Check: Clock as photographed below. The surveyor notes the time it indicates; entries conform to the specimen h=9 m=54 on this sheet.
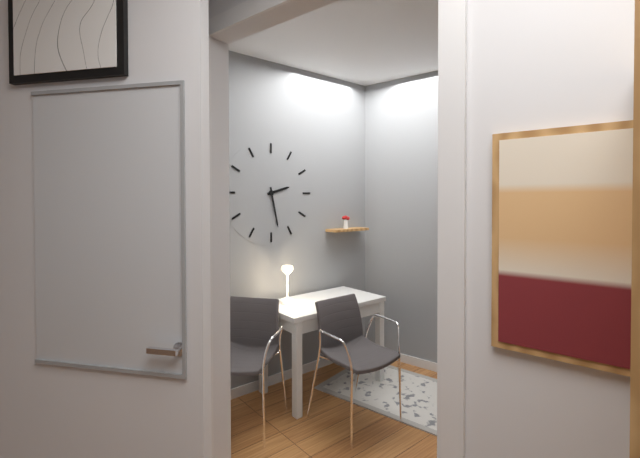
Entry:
h=2 m=28
